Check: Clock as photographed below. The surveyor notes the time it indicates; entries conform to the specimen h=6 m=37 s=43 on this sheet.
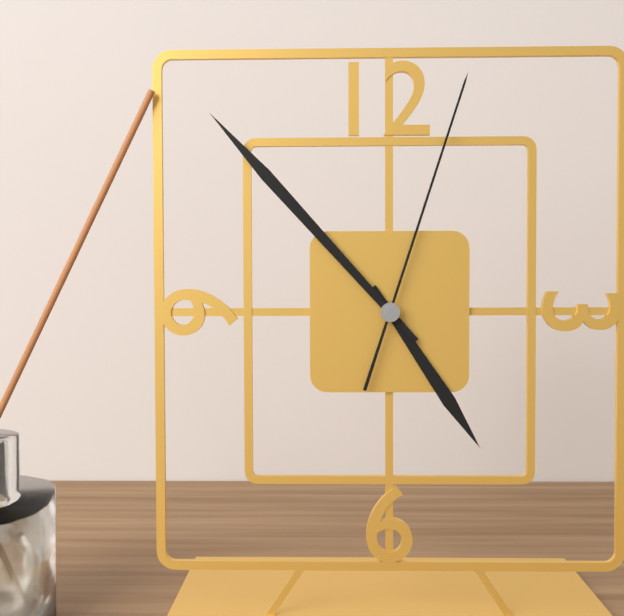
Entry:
h=4 m=53 s=3
